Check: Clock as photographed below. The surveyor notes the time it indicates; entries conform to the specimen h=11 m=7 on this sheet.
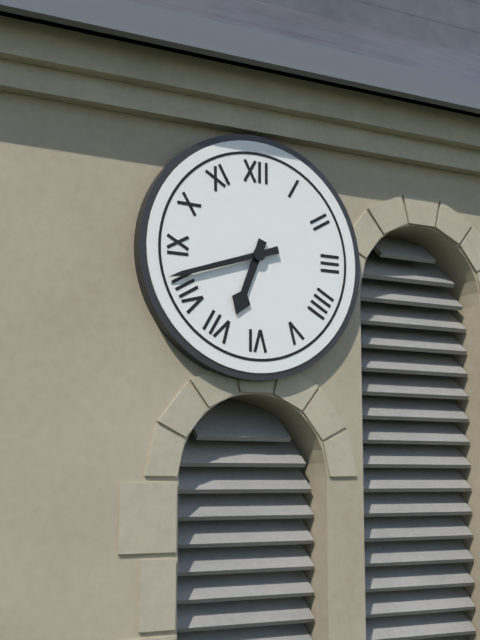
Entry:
h=6 m=42
